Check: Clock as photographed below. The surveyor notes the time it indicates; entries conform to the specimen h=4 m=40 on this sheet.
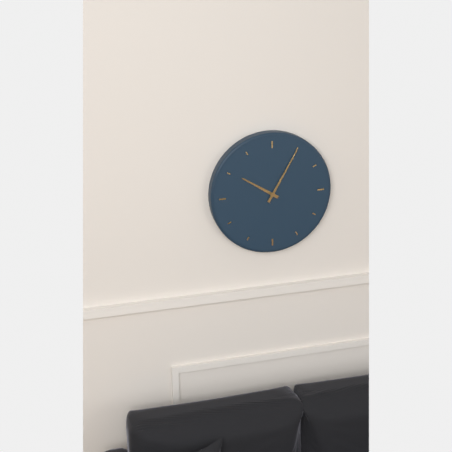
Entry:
h=10 m=5
